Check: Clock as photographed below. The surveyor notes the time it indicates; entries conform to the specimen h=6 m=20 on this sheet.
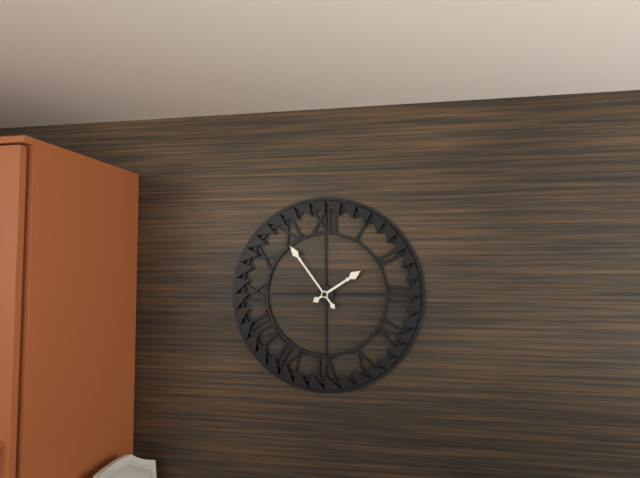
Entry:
h=1 m=54
